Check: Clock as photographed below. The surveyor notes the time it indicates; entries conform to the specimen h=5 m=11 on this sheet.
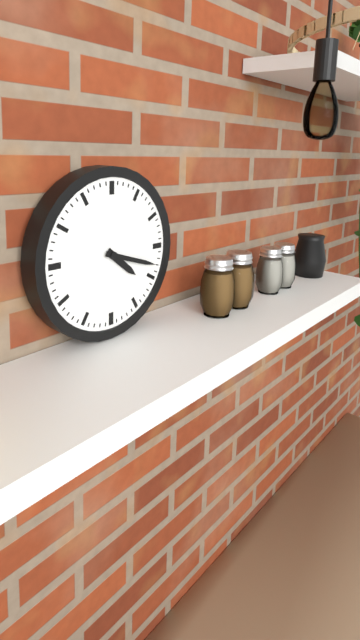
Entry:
h=4 m=18
